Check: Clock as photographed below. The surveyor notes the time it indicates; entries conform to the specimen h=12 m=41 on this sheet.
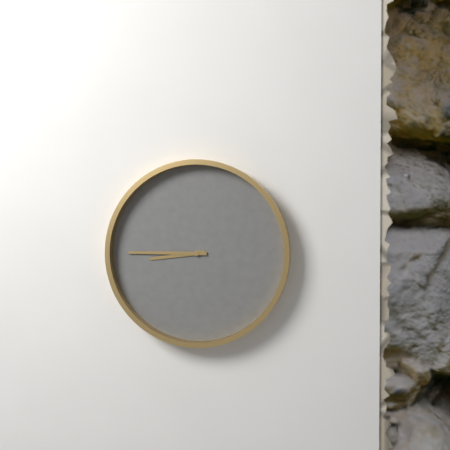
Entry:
h=8 m=45
